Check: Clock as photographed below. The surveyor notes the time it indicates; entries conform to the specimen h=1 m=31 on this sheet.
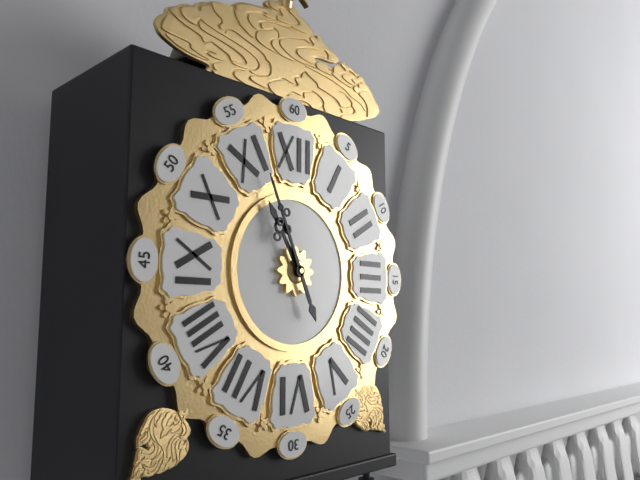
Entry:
h=10 m=56
